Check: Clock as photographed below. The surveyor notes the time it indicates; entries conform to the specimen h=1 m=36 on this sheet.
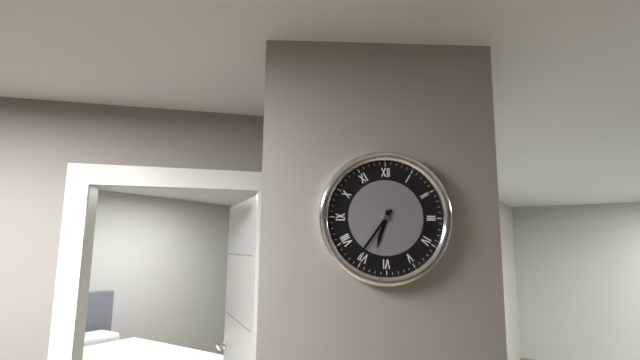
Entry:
h=6 m=36
